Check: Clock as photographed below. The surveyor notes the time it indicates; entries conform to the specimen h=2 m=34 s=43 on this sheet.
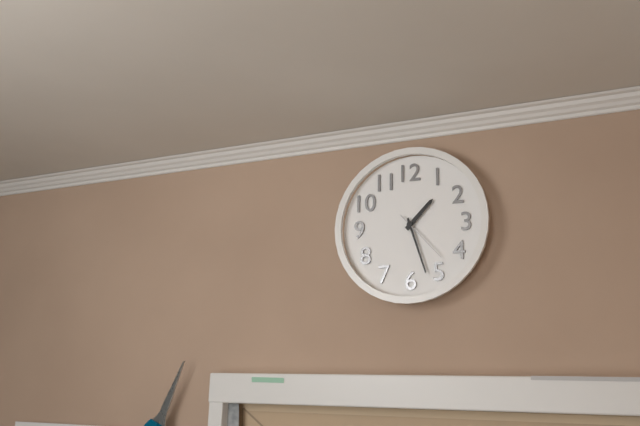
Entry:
h=1 m=27 s=23
